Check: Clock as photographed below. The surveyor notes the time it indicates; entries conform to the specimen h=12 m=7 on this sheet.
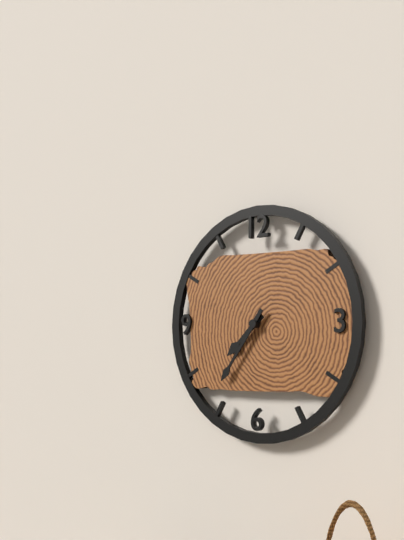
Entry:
h=7 m=36
